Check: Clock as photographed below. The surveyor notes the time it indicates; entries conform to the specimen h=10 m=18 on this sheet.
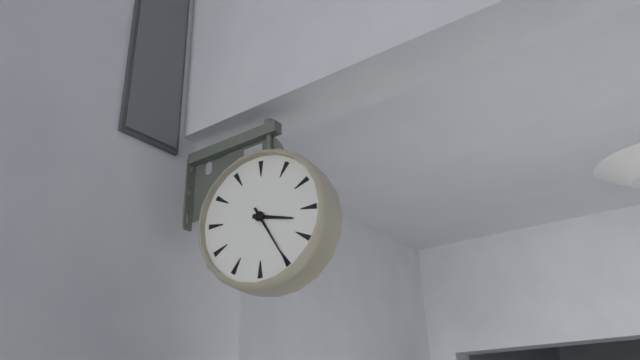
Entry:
h=3 m=25
